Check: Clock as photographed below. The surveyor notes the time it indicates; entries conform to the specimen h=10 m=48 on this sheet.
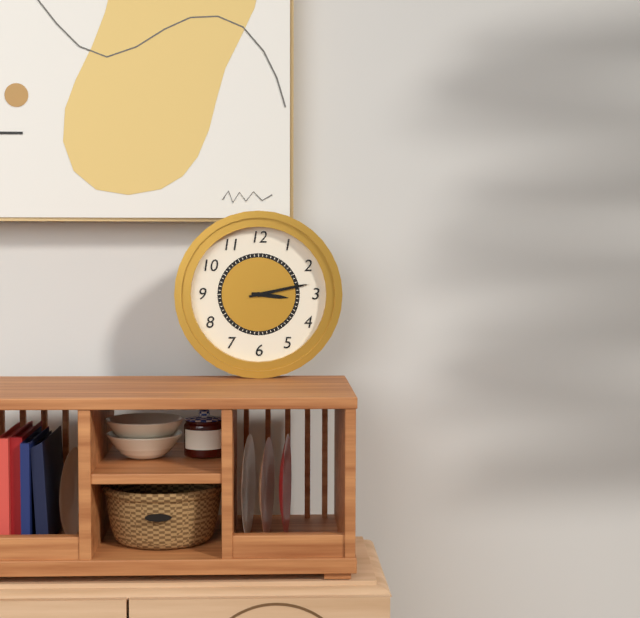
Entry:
h=3 m=13
